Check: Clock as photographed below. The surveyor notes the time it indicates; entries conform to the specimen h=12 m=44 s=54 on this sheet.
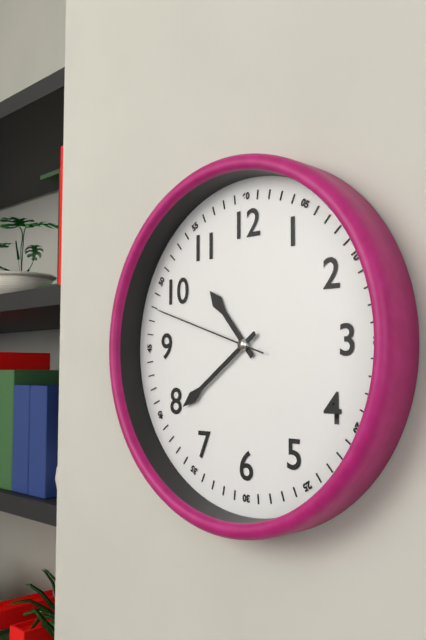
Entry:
h=10 m=39 s=48
